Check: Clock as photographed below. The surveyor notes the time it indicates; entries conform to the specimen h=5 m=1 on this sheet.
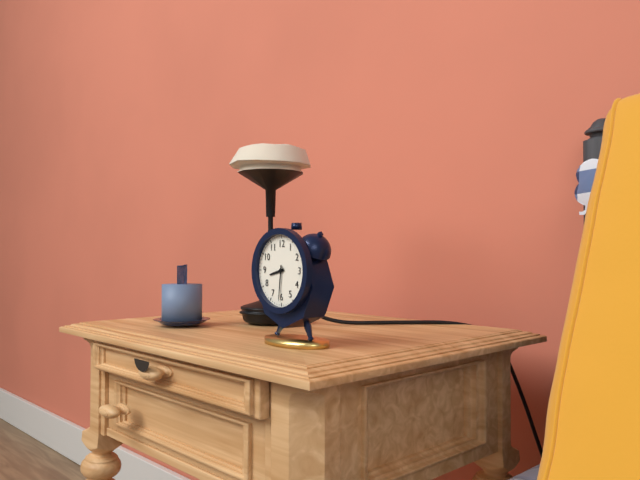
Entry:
h=8 m=31
